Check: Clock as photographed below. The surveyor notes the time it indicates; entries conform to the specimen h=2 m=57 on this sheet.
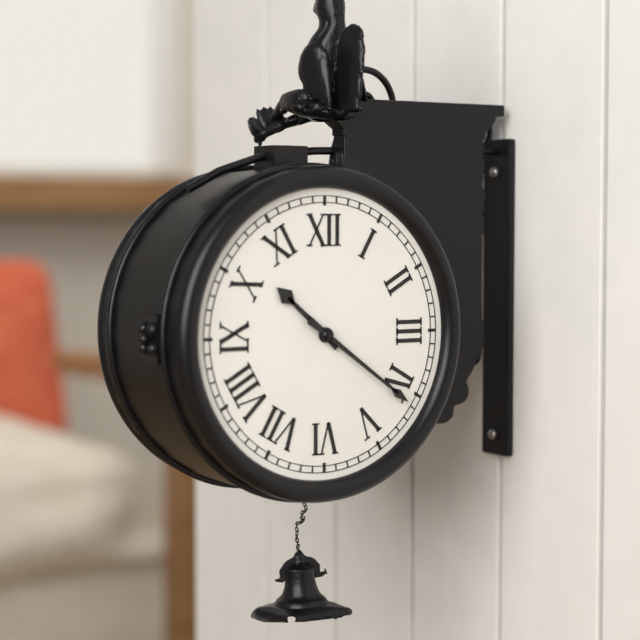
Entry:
h=10 m=21
